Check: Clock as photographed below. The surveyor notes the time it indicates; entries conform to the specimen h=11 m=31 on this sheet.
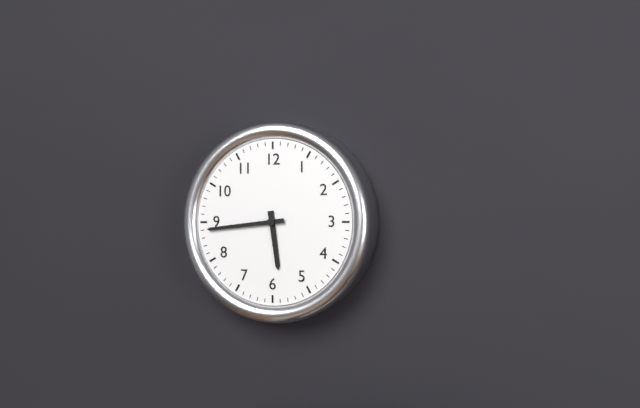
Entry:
h=5 m=44
